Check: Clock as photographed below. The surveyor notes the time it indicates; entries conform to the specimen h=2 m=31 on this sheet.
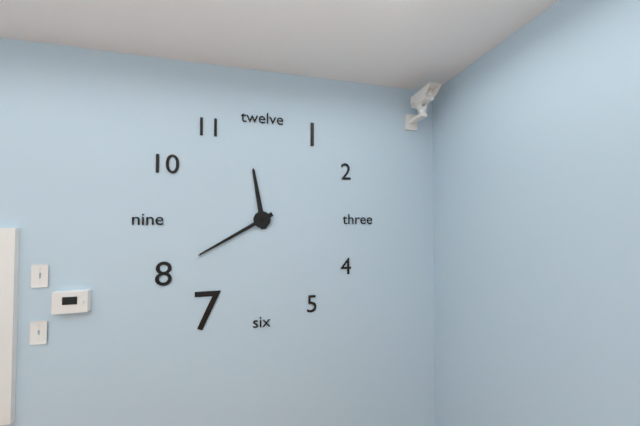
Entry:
h=11 m=40
